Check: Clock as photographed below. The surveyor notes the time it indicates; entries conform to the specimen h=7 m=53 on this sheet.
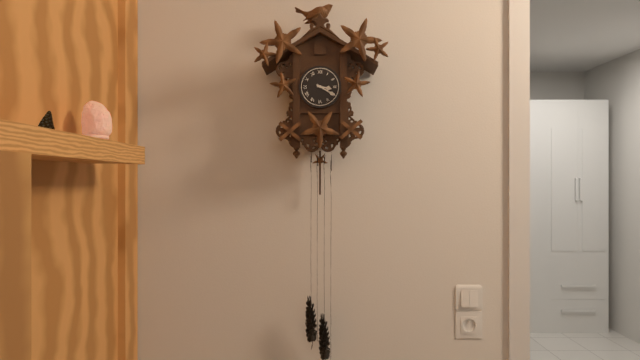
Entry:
h=3 m=20
